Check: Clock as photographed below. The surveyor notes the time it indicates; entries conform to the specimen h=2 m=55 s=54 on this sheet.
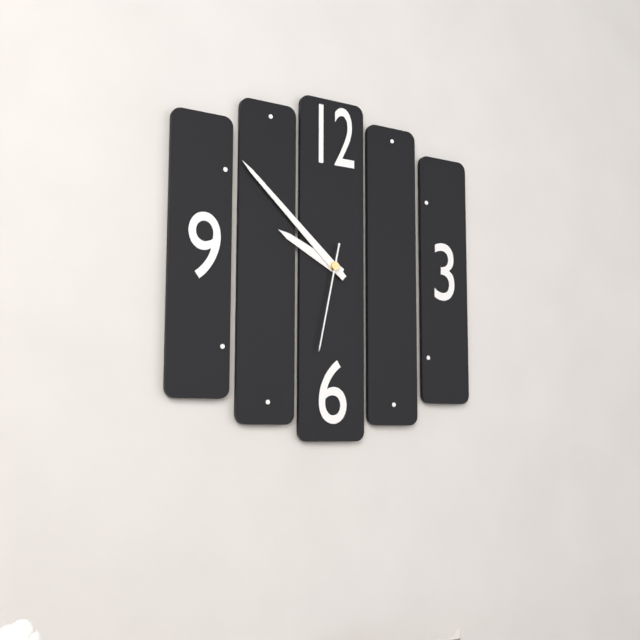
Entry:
h=9 m=52 s=32
